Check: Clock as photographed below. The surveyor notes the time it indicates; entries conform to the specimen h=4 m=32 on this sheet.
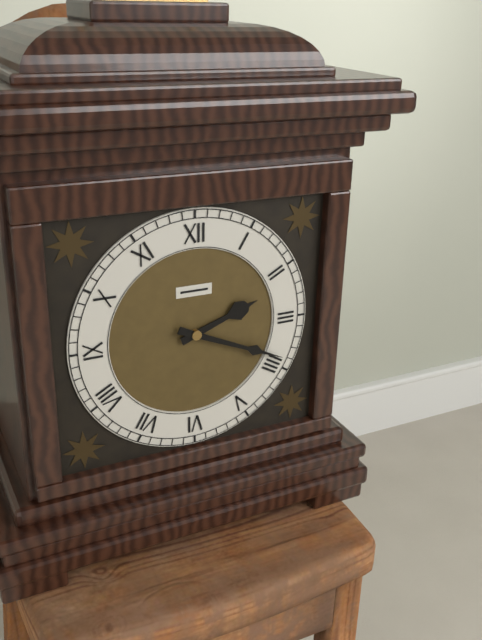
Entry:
h=2 m=19
